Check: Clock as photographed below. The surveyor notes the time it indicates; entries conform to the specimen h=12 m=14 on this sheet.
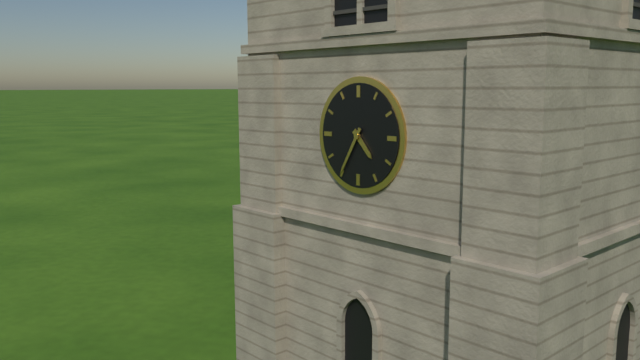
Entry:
h=4 m=35
